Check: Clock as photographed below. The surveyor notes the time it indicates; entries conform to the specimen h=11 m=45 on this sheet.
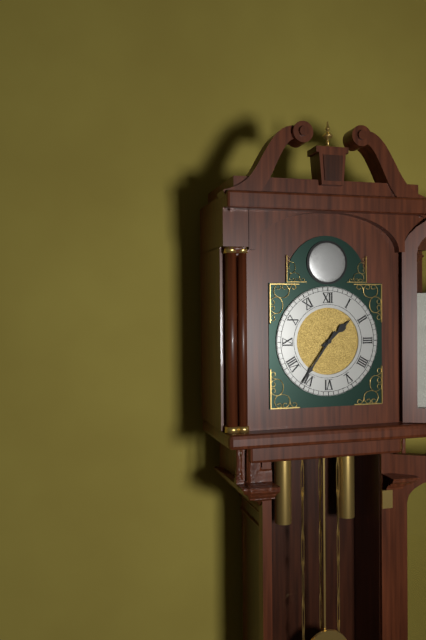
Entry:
h=1 m=36
